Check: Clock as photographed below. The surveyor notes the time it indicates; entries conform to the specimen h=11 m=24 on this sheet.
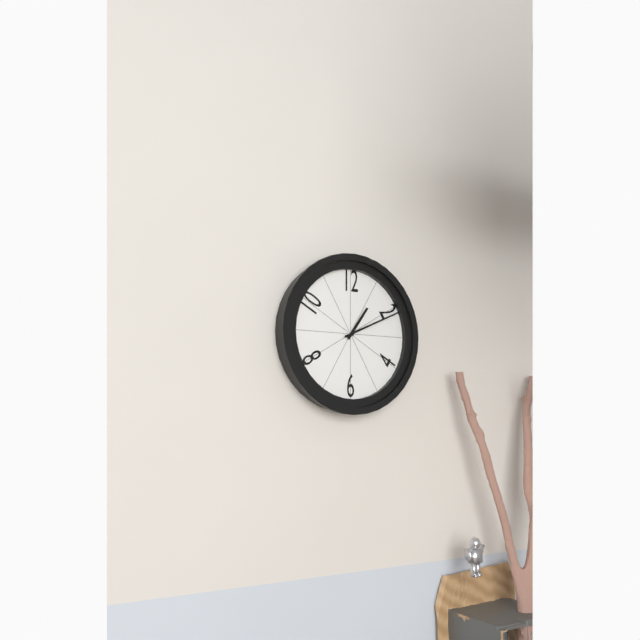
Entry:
h=1 m=11
